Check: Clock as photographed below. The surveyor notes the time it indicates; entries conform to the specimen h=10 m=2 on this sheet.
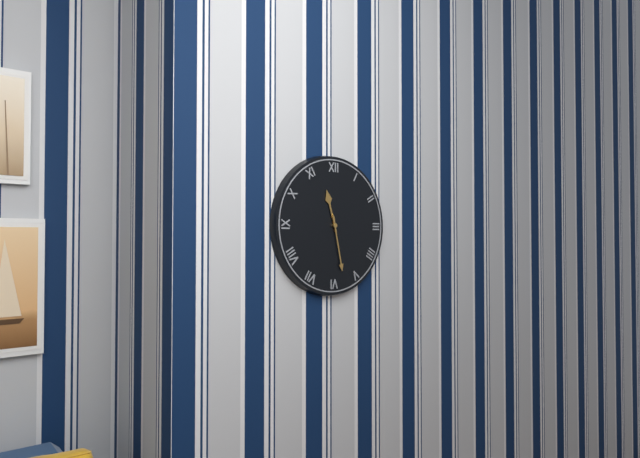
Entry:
h=11 m=28
